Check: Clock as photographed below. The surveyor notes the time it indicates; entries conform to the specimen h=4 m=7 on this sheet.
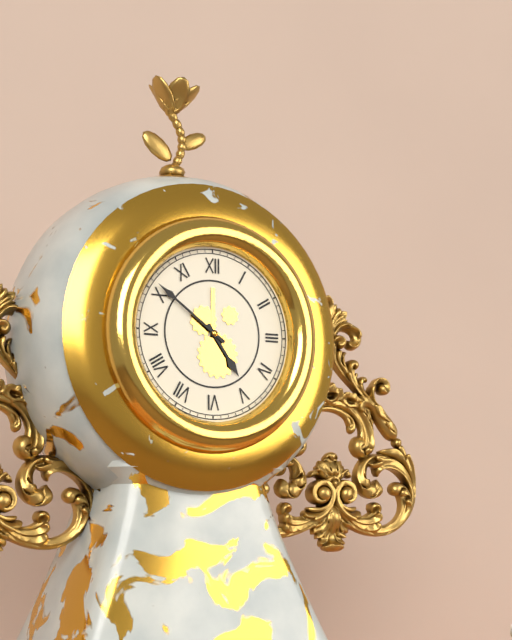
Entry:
h=4 m=51
